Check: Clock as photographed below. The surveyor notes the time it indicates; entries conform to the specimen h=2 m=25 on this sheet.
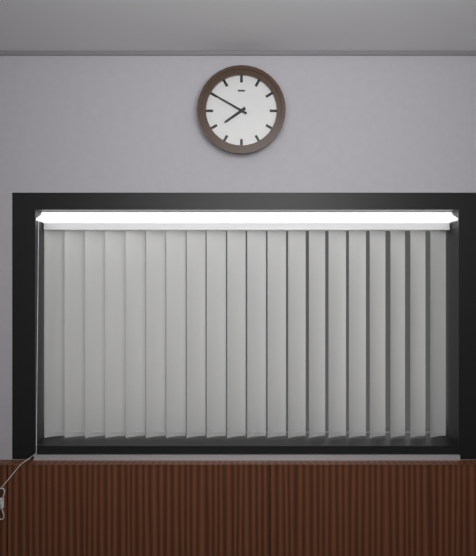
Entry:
h=7 m=50
